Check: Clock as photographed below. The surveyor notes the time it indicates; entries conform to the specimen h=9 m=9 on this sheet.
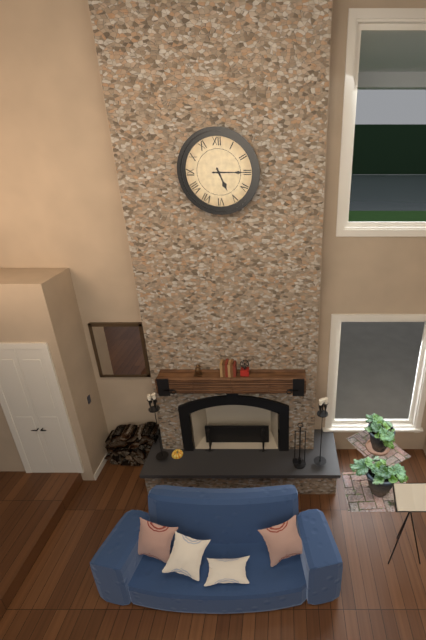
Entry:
h=5 m=15
